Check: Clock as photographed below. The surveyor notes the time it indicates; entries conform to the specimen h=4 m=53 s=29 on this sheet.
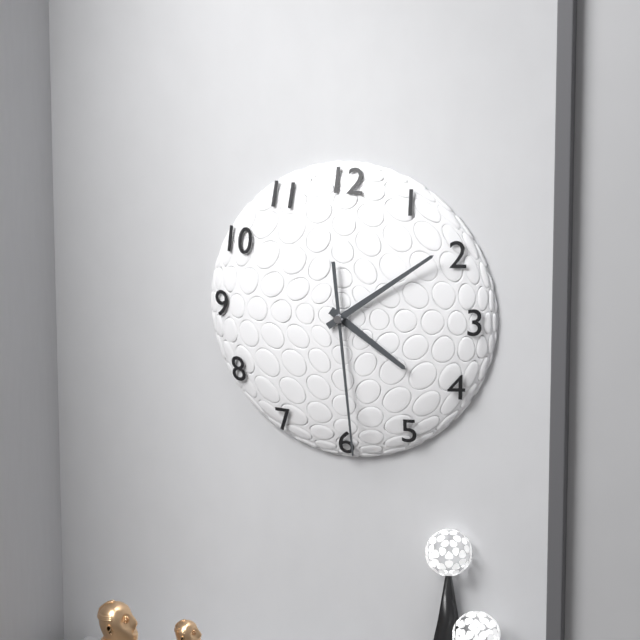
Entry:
h=4 m=9 s=29
